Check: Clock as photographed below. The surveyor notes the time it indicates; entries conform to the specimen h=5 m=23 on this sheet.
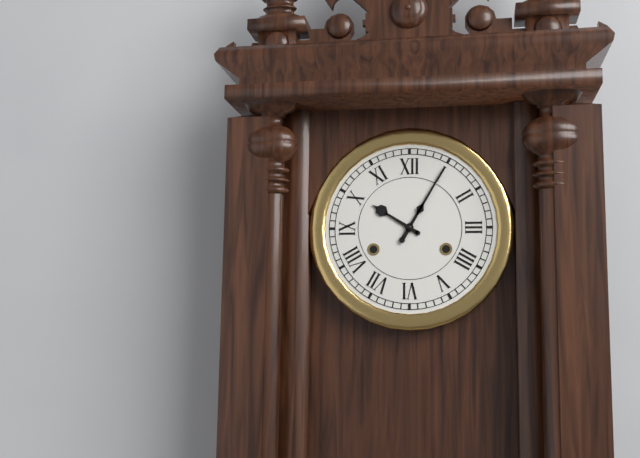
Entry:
h=10 m=5
